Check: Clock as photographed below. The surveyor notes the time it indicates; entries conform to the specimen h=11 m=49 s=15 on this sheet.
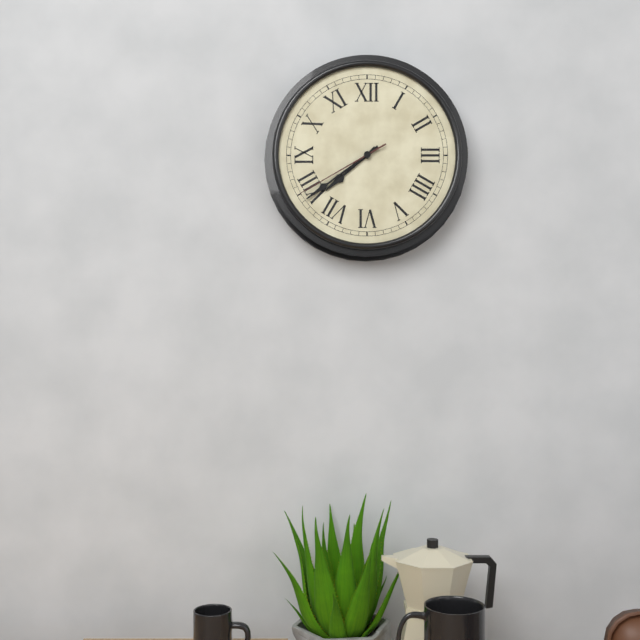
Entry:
h=7 m=39 s=40
